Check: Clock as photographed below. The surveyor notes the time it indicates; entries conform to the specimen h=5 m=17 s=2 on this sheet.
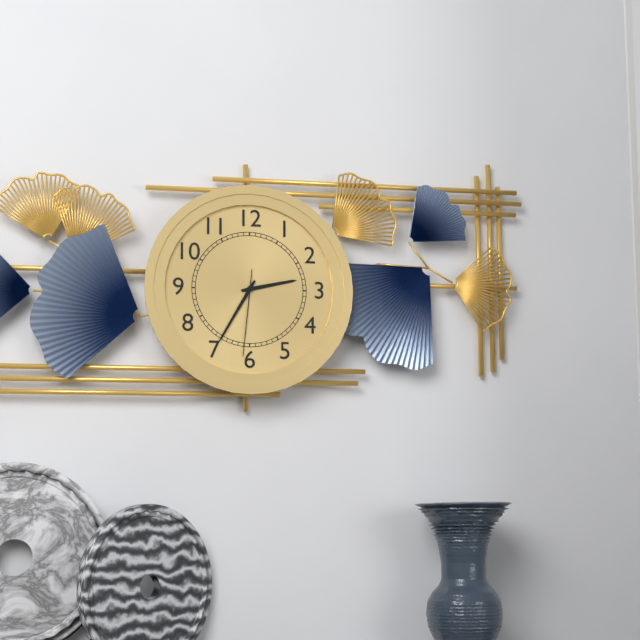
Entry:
h=2 m=35 s=31
